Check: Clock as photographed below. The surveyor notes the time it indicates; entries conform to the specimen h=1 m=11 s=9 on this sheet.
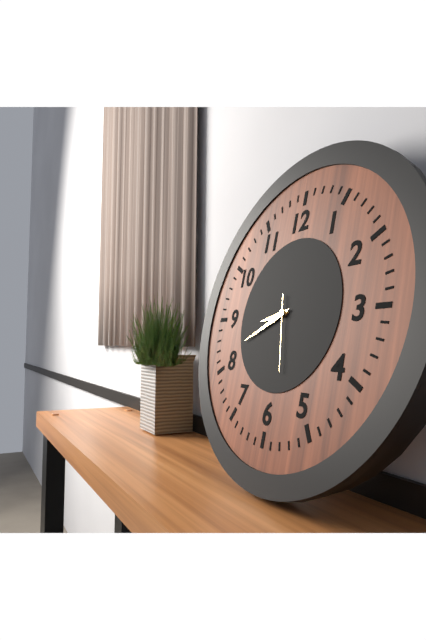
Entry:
h=8 m=41 s=28
